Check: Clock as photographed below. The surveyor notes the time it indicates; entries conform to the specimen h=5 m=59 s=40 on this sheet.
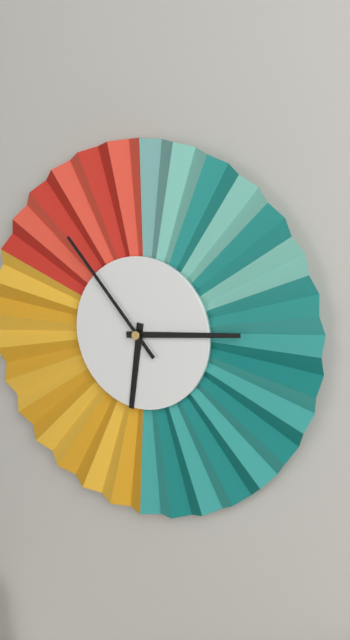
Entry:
h=6 m=14 s=53
